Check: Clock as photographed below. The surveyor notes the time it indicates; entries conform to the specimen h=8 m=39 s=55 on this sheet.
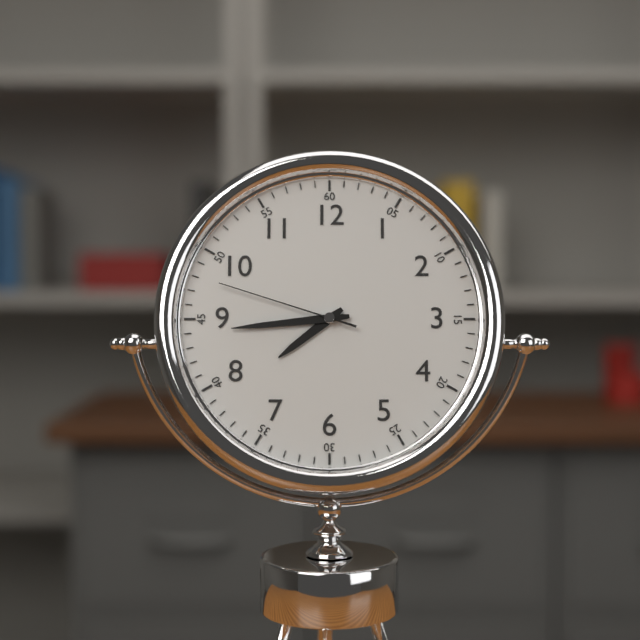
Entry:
h=7 m=44 s=48
